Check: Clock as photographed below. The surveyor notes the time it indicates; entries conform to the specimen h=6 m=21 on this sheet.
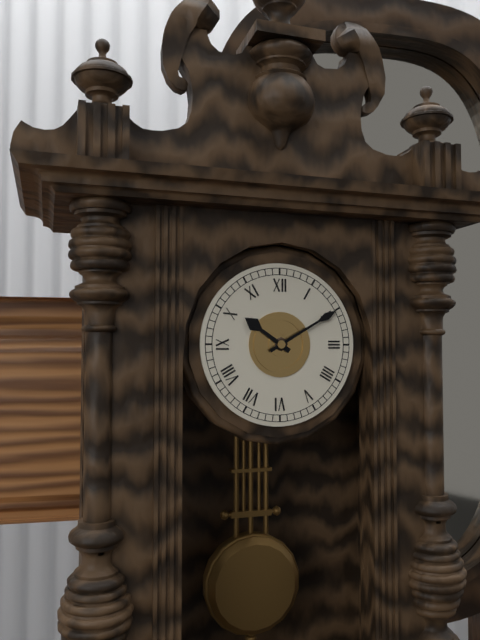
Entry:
h=10 m=10
